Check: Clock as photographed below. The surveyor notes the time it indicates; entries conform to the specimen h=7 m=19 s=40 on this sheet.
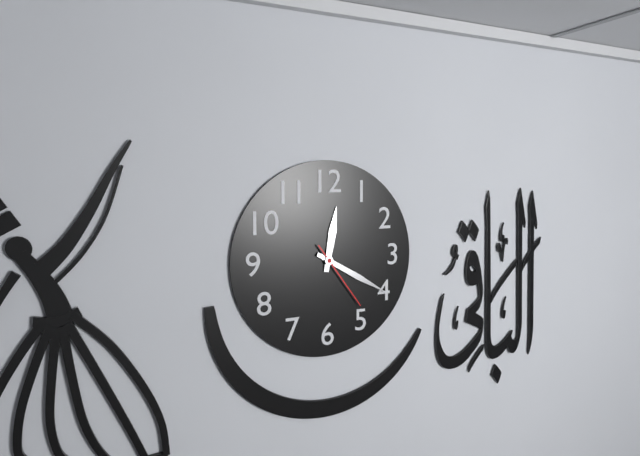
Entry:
h=12 m=20 s=24
